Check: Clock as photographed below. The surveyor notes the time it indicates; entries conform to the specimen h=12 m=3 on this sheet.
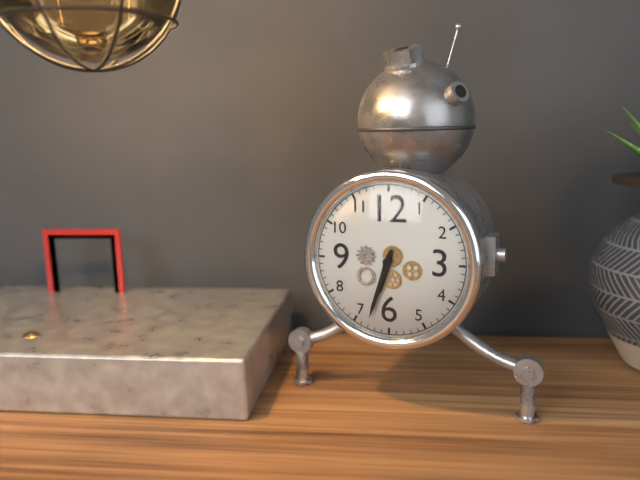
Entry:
h=6 m=33
